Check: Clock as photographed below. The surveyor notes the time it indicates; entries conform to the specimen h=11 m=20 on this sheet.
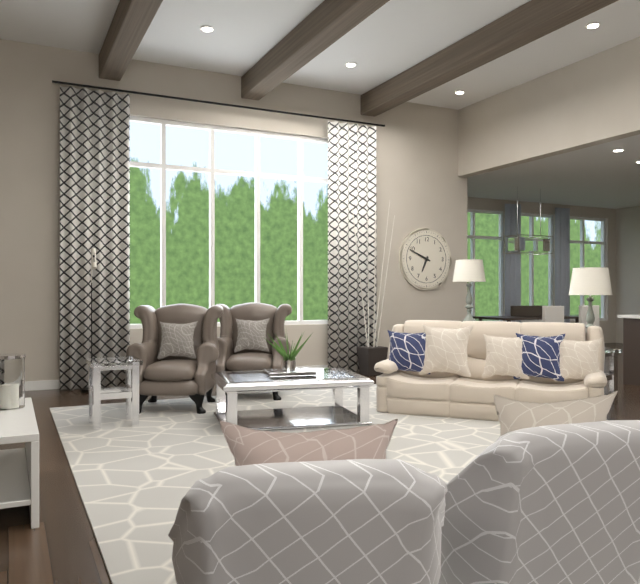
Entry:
h=6 m=49
